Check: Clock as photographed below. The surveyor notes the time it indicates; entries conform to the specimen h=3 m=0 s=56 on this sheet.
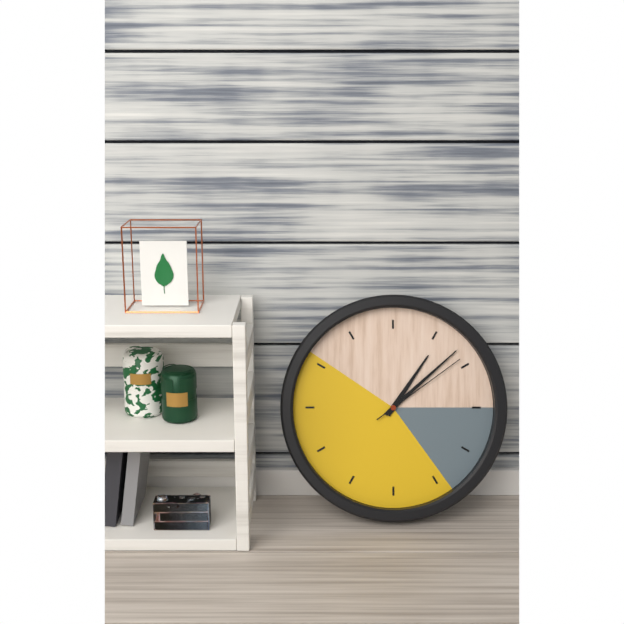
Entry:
h=1 m=8 s=9
